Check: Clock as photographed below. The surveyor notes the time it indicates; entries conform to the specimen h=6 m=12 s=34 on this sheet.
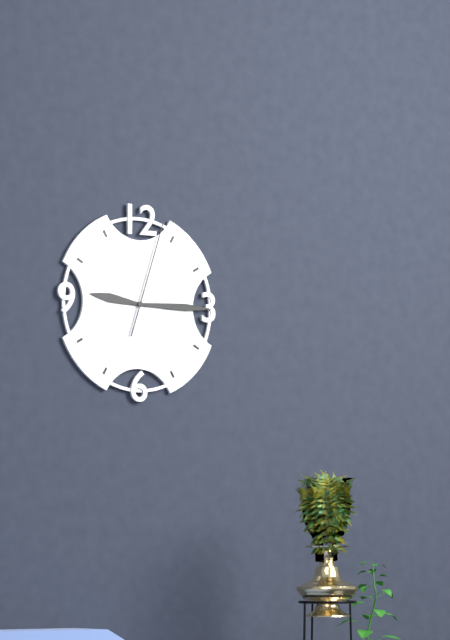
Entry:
h=9 m=15 s=3
